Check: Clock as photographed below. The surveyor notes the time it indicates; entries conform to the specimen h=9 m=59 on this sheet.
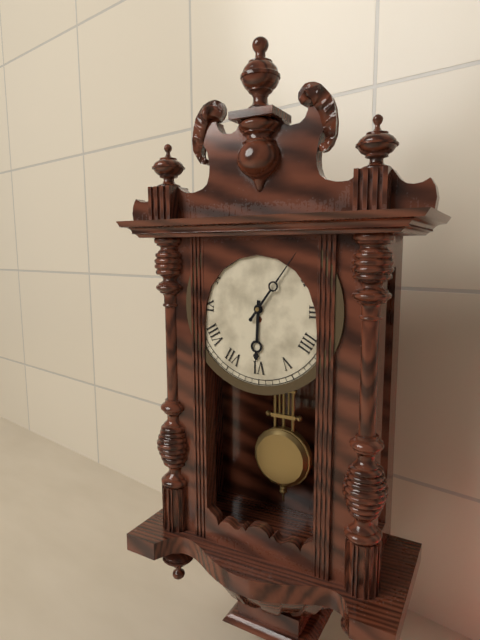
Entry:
h=6 m=6
